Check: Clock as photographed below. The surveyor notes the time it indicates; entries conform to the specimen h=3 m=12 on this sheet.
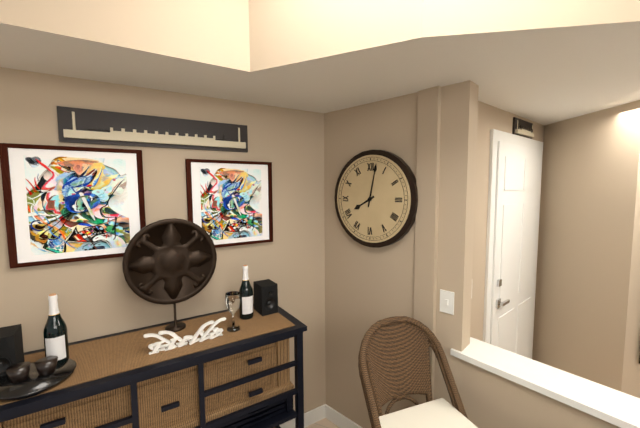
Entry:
h=8 m=2
